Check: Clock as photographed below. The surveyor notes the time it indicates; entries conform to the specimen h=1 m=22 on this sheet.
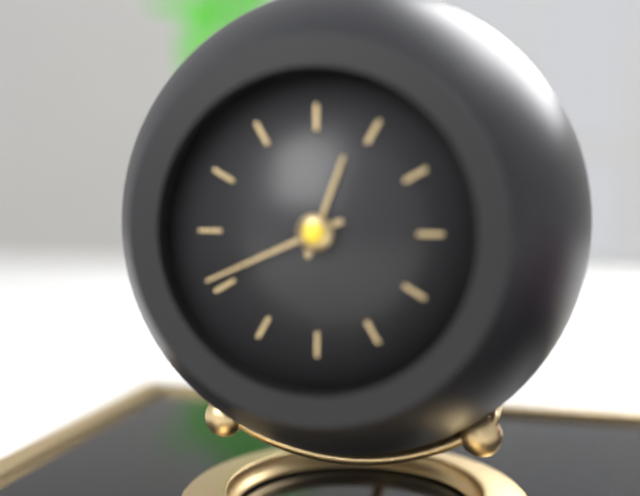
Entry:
h=12 m=41
